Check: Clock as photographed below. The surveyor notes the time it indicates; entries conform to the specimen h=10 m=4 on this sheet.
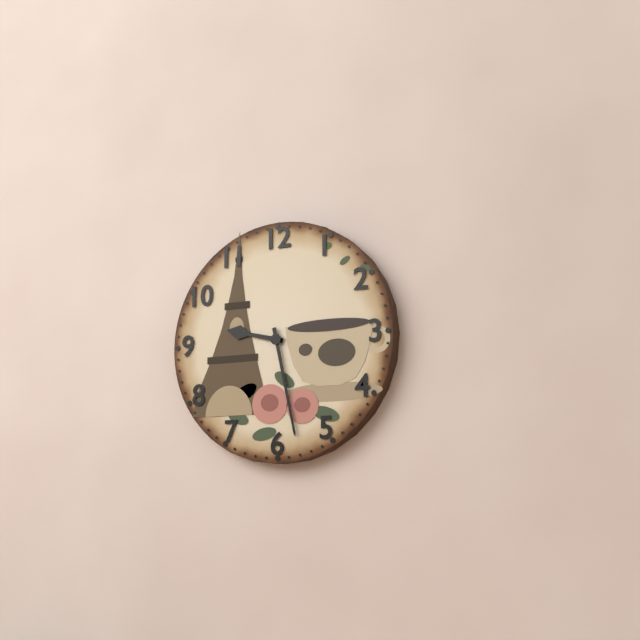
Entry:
h=9 m=28
